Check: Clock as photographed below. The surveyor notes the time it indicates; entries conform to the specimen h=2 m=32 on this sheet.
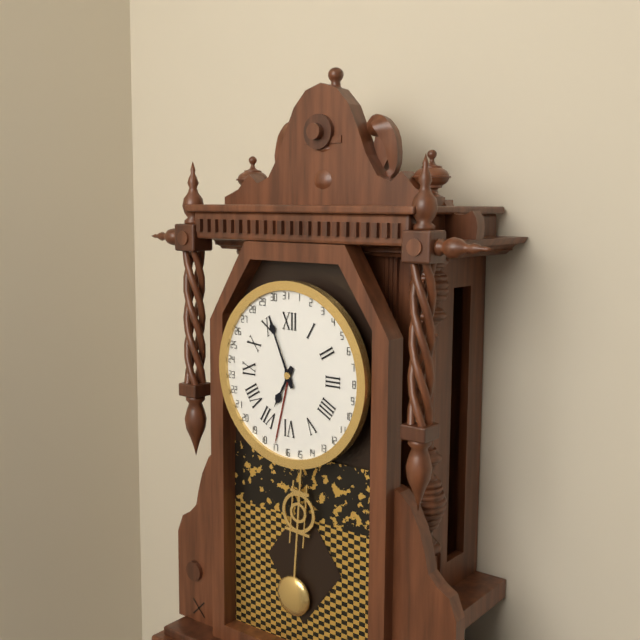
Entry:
h=6 m=56
